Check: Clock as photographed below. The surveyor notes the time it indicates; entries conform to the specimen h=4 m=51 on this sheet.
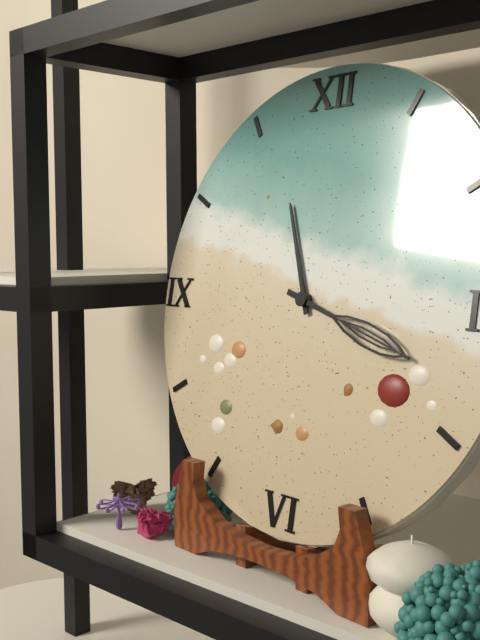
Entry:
h=11 m=18
